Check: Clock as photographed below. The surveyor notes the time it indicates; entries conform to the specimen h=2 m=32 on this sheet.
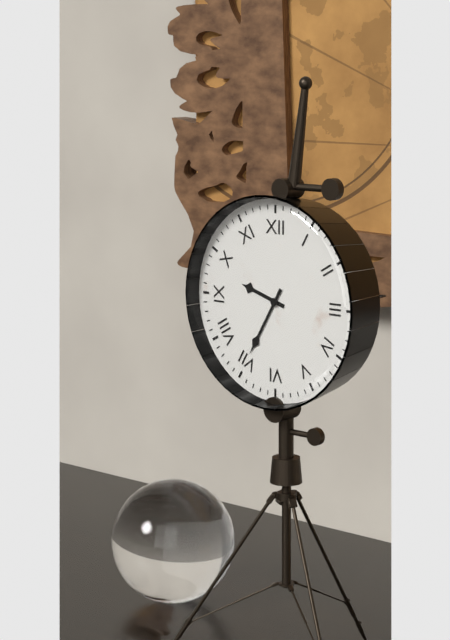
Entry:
h=9 m=35
